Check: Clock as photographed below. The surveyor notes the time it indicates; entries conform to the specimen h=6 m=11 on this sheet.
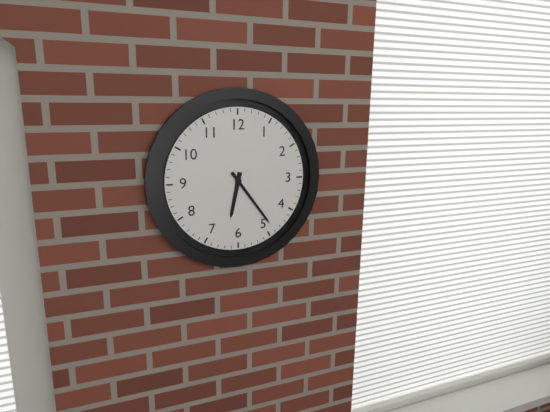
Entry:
h=6 m=24
